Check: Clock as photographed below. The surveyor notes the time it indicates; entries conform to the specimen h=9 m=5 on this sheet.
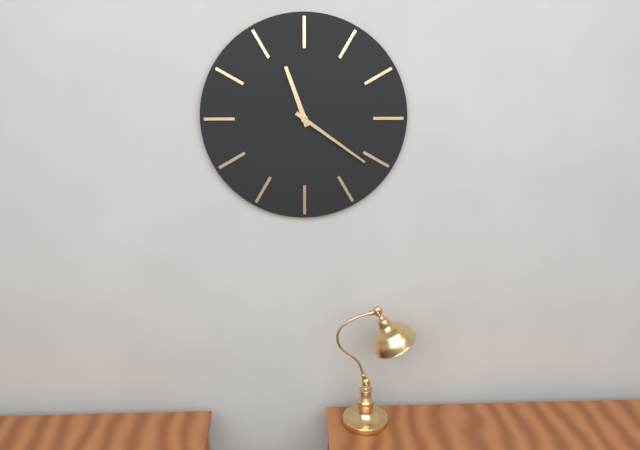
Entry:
h=11 m=21
